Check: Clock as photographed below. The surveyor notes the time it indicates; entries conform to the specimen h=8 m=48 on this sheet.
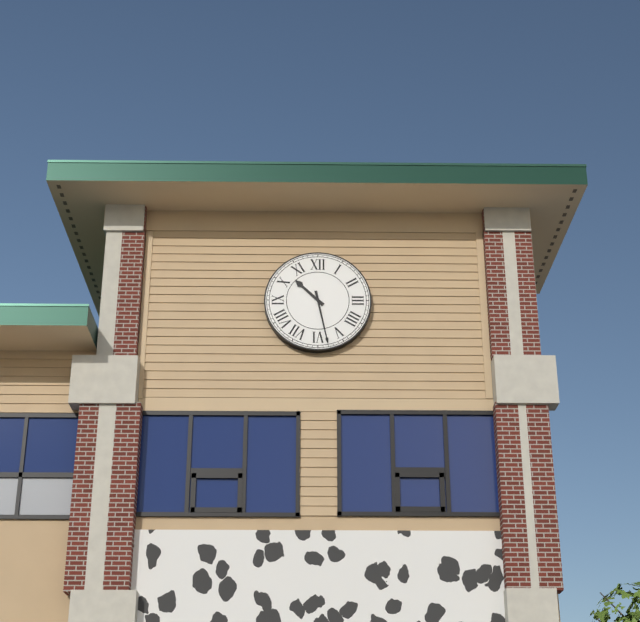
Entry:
h=10 m=28
